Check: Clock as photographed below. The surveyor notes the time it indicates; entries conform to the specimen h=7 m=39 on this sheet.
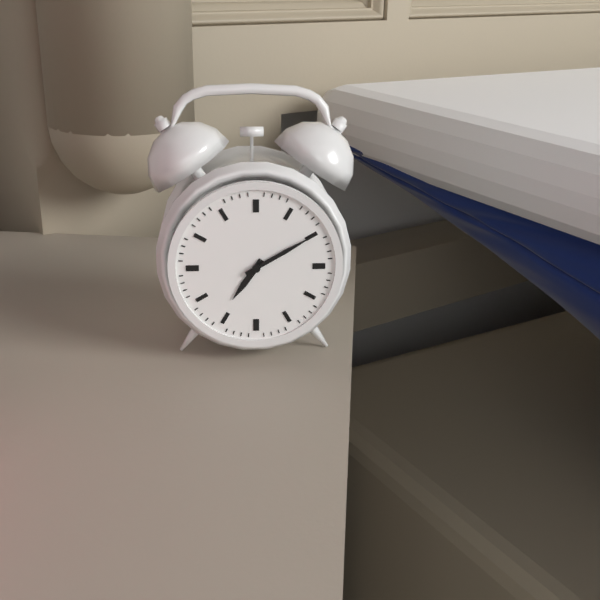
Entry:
h=7 m=10
